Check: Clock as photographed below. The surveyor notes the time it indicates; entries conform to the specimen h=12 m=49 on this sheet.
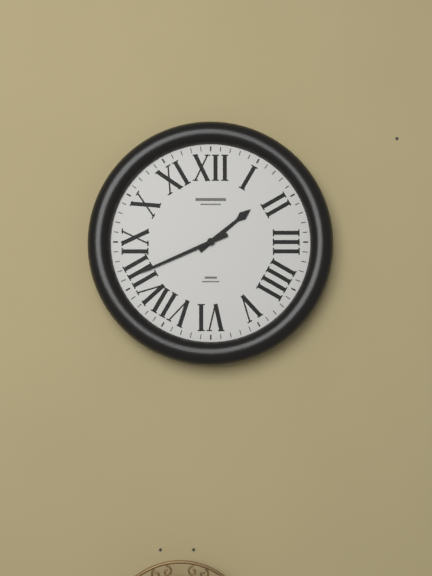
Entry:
h=1 m=41
